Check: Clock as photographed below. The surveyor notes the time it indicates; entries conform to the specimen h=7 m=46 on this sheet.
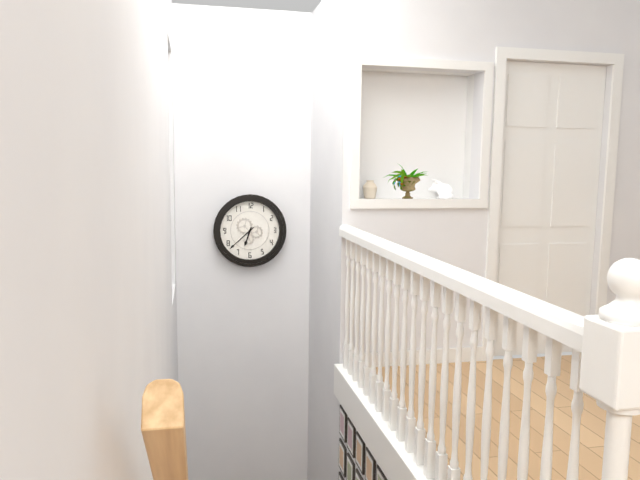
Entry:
h=6 m=38
